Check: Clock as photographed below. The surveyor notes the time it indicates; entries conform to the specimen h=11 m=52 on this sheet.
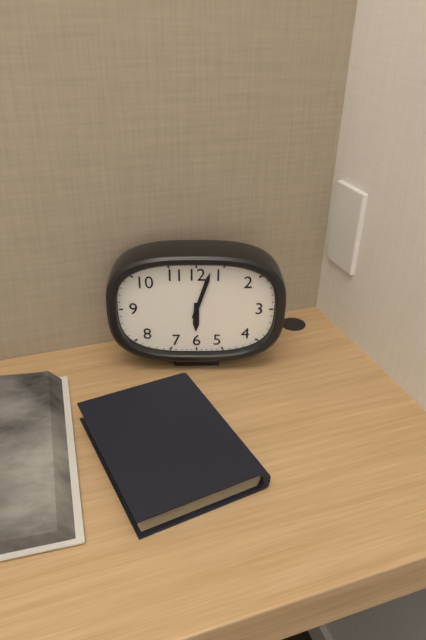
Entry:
h=6 m=3
